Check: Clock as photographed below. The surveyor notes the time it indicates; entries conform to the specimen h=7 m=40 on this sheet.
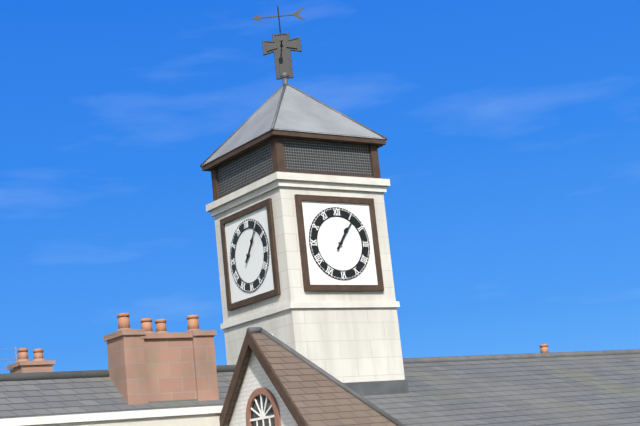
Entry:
h=1 m=6
